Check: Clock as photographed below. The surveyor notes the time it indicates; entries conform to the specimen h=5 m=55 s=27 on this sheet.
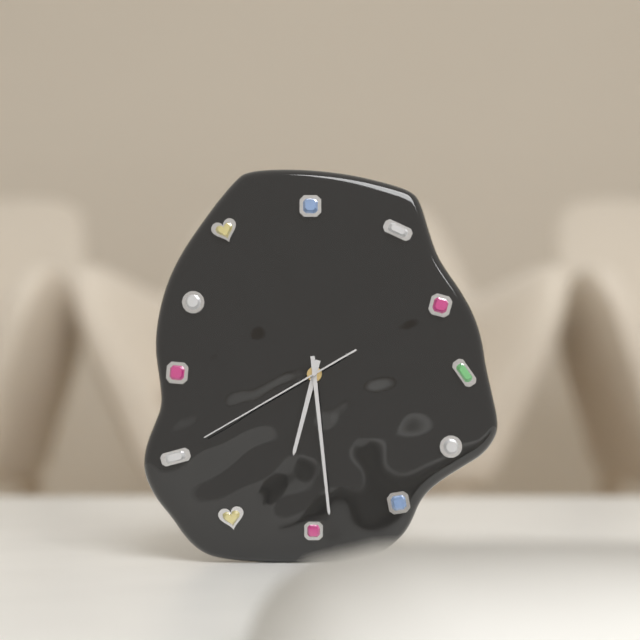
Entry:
h=6 m=29 s=40
